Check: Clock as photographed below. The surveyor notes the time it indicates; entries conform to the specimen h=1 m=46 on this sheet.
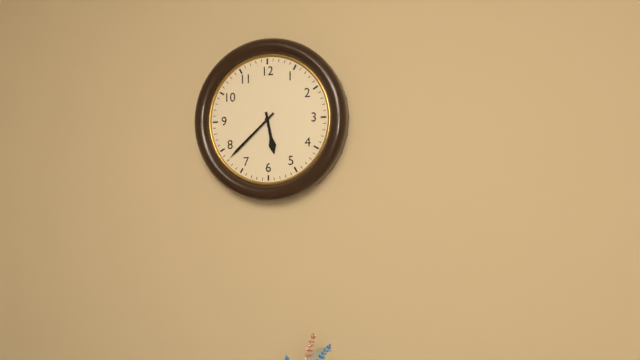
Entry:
h=5 m=38
